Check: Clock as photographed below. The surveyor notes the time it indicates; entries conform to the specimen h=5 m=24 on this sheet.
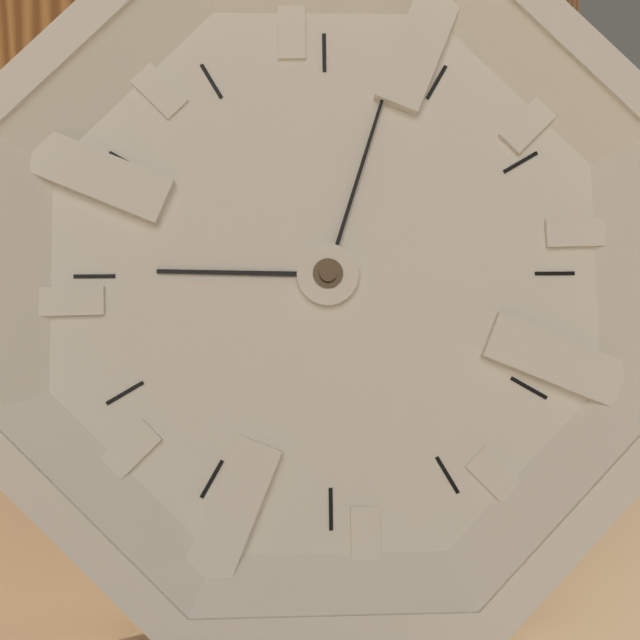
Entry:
h=9 m=3
